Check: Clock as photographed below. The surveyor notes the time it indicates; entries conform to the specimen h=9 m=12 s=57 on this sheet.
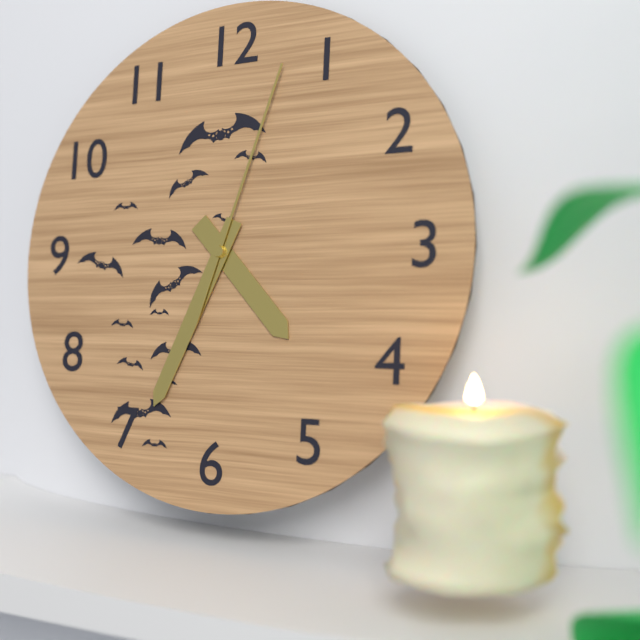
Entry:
h=4 m=34 s=3
